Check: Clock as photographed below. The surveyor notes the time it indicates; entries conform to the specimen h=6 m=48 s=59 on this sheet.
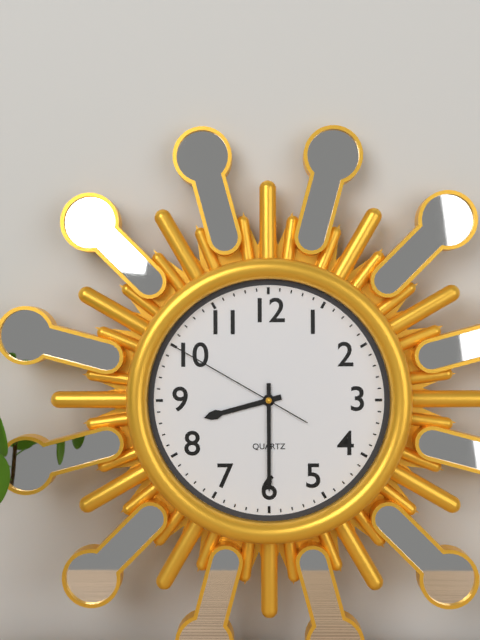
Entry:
h=8 m=30 s=50
